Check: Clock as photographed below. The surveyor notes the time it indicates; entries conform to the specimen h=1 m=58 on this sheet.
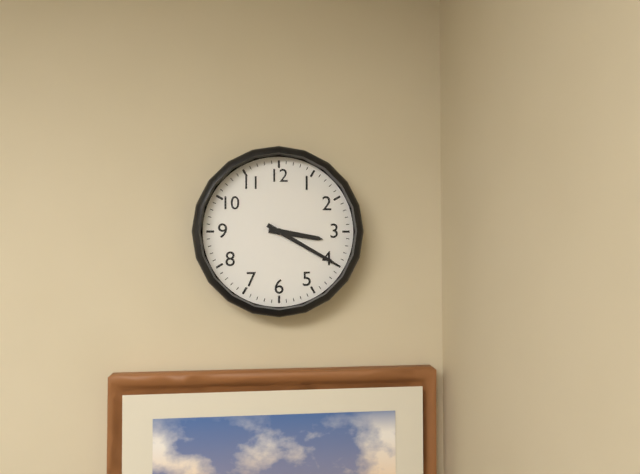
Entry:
h=3 m=20
